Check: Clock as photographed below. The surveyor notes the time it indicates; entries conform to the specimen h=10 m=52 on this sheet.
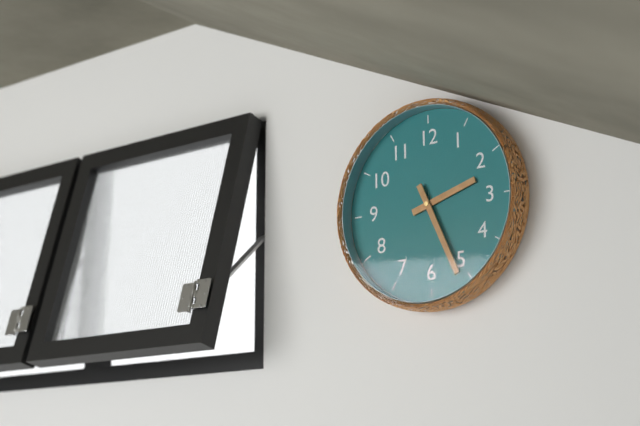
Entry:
h=2 m=26
